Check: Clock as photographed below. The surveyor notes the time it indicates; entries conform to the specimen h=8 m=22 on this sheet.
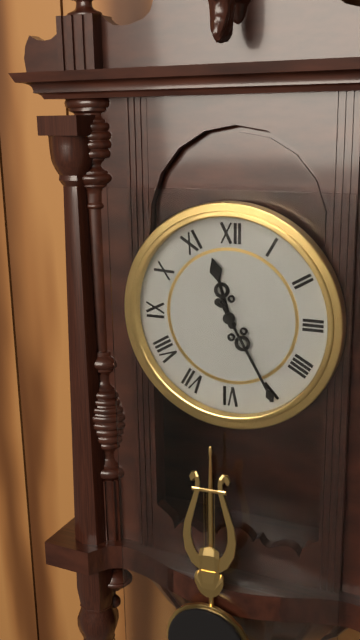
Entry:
h=11 m=25
